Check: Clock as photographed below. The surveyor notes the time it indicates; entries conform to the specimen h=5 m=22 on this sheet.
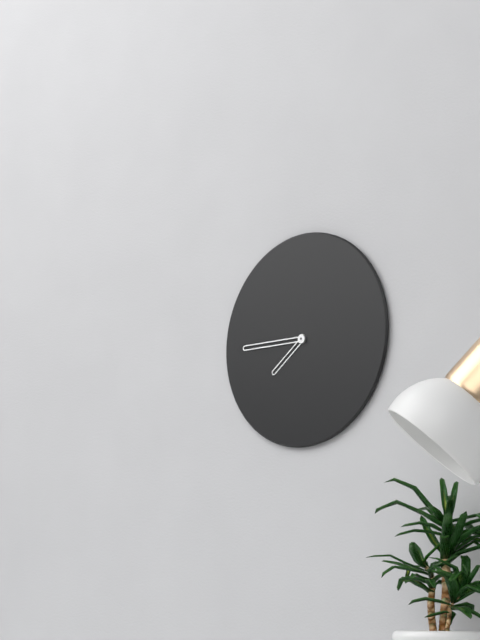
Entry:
h=7 m=45
